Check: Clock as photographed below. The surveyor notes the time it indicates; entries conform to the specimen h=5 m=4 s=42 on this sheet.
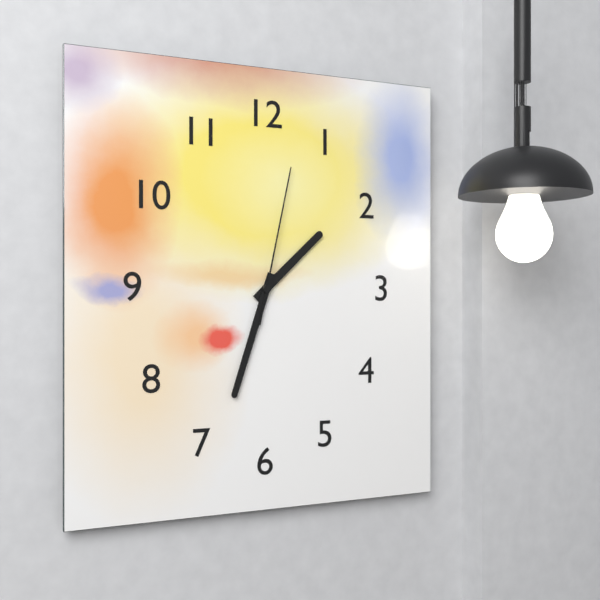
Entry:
h=1 m=33 s=2
